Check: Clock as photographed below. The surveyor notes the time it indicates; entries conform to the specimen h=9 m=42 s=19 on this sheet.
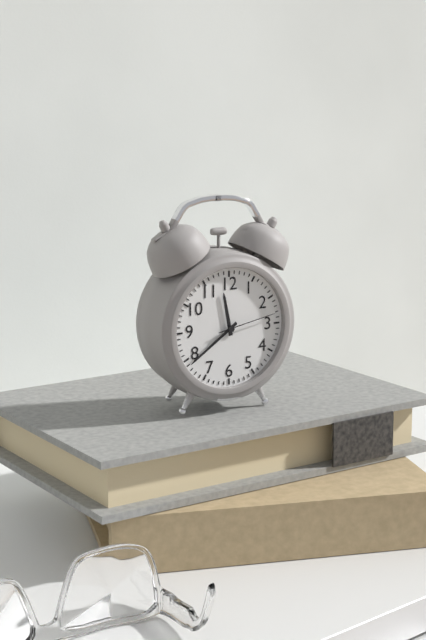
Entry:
h=11 m=39 s=13
